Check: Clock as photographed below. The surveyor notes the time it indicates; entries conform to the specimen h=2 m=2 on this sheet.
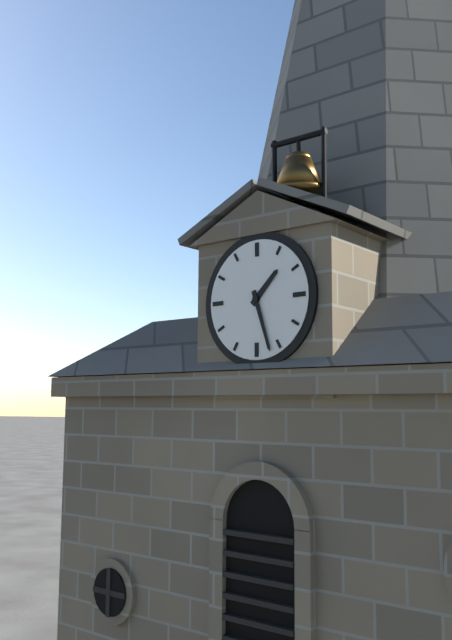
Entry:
h=1 m=27
